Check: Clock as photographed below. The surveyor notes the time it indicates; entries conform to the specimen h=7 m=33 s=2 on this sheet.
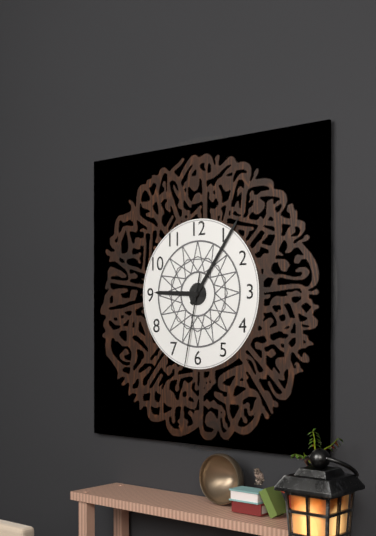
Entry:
h=9 m=6 s=32
